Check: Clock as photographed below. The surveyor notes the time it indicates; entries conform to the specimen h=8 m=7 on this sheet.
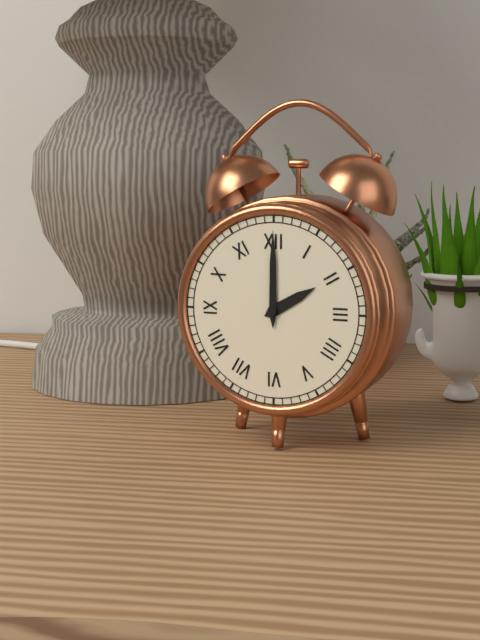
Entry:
h=2 m=0
